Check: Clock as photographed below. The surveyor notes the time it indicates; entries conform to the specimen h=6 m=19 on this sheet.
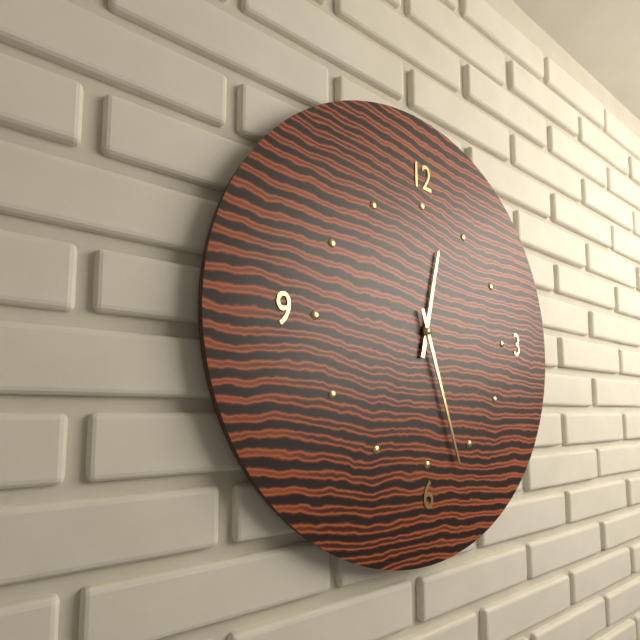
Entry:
h=12 m=27
